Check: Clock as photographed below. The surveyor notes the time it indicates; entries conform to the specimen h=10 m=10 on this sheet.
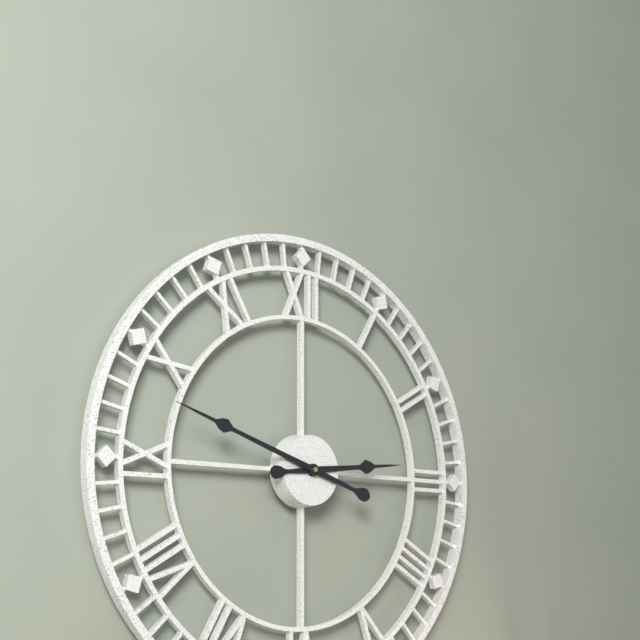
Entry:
h=2 m=48
